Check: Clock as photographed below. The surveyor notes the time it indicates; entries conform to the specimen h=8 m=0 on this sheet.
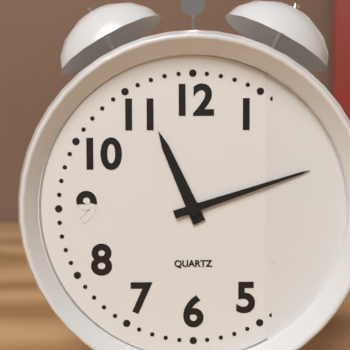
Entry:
h=11 m=12
